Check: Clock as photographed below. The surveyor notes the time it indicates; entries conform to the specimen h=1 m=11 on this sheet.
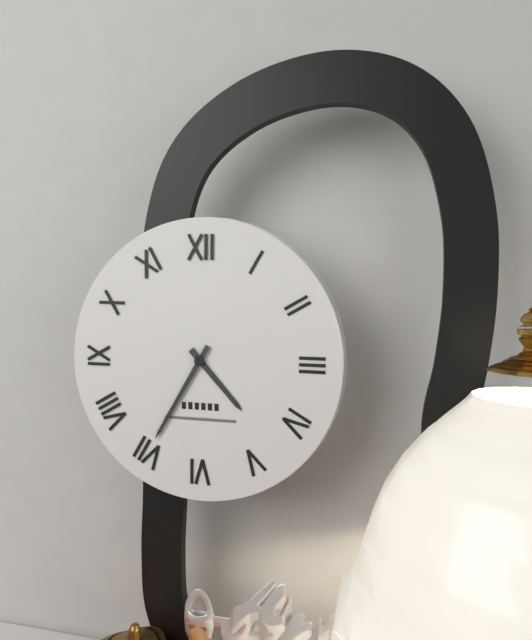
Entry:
h=4 m=35
